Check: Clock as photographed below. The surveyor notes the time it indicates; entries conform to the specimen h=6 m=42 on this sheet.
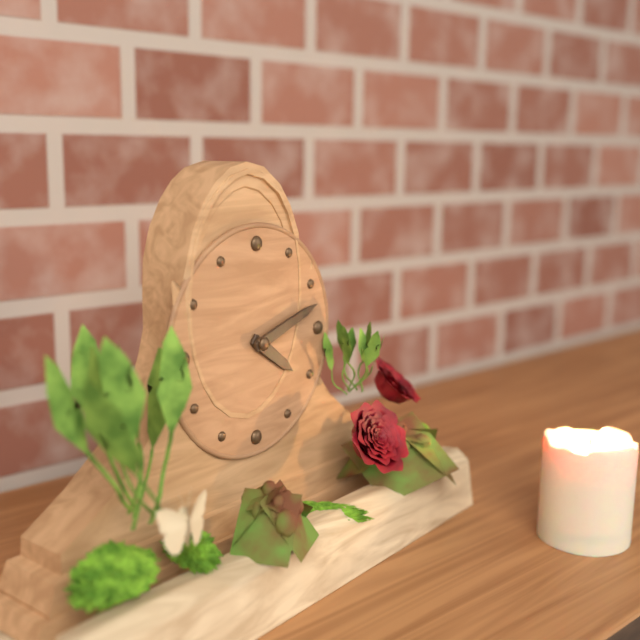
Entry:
h=4 m=12
